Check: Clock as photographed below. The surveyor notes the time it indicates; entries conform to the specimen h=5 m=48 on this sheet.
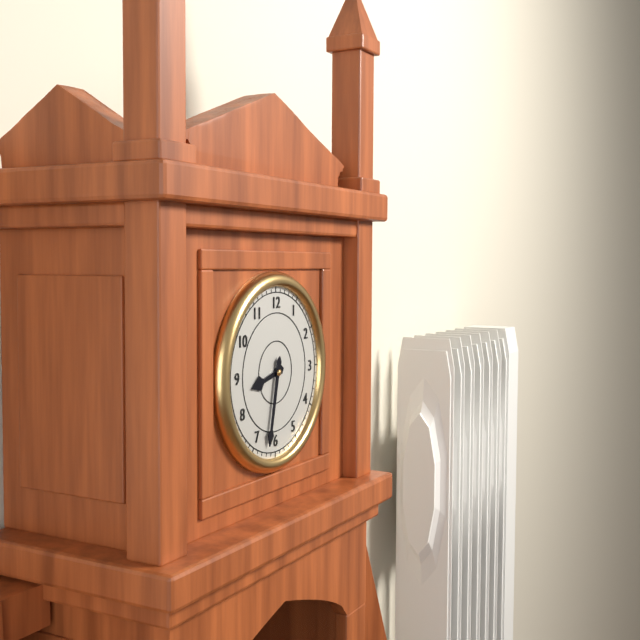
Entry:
h=8 m=32
